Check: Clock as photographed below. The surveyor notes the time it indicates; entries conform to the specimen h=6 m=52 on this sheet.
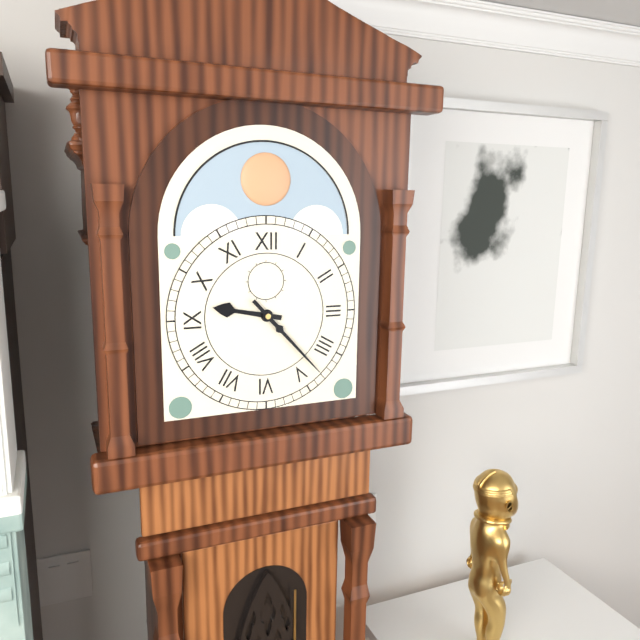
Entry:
h=9 m=23
